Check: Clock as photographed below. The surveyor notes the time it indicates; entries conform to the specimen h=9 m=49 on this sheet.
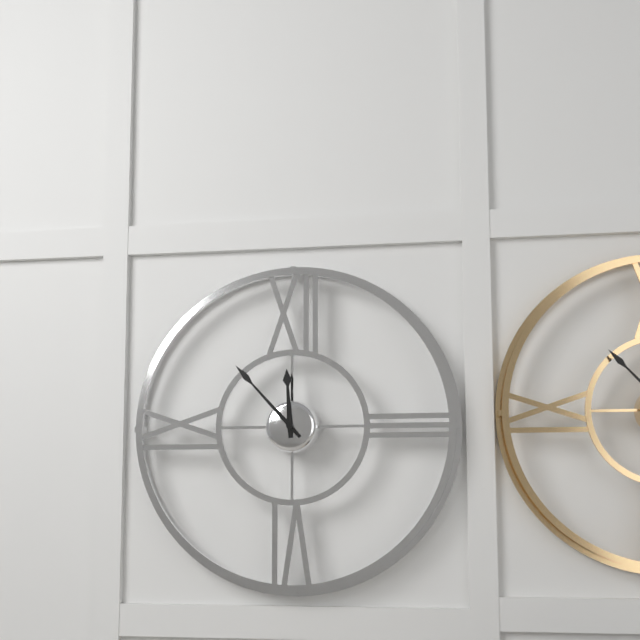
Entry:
h=11 m=53
